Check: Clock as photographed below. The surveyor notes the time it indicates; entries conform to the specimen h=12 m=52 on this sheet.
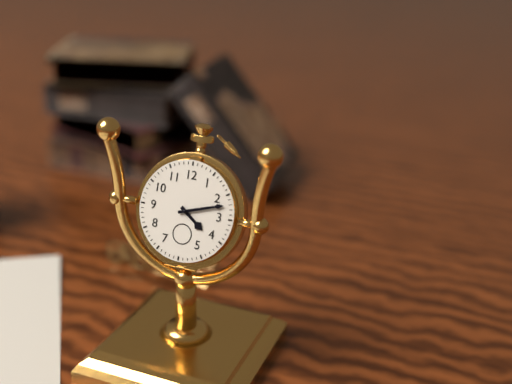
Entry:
h=4 m=12
